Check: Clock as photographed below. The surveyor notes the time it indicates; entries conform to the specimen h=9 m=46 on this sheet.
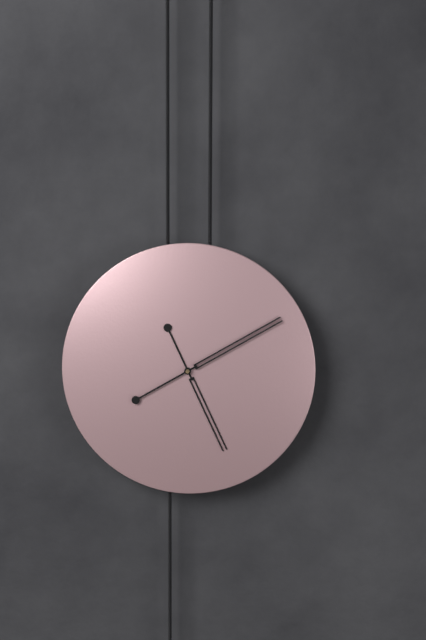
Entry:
h=5 m=10
